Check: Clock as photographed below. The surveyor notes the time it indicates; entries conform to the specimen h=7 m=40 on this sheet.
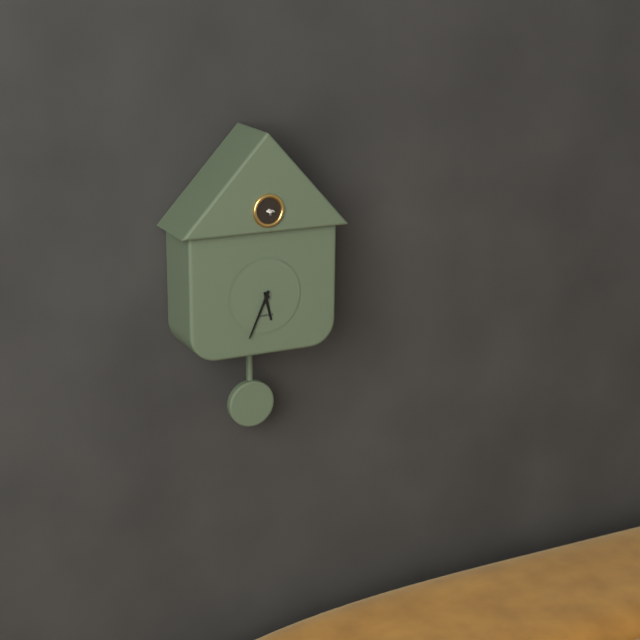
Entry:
h=5 m=34
